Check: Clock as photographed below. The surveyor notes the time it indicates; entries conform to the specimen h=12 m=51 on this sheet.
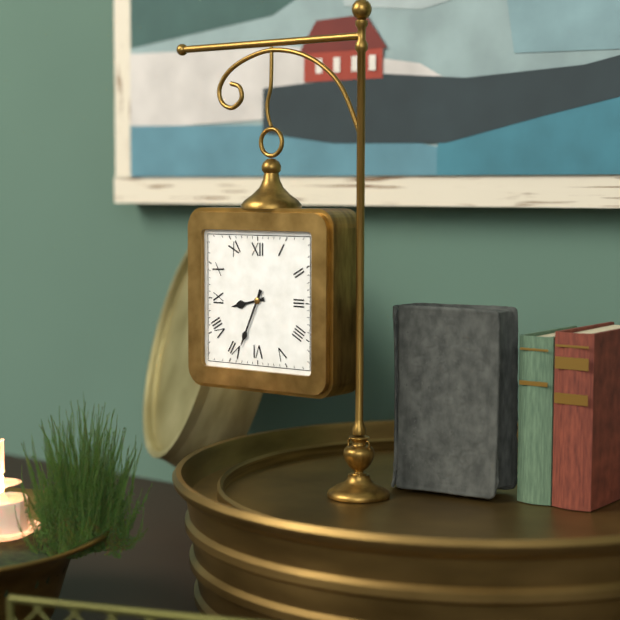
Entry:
h=8 m=34
